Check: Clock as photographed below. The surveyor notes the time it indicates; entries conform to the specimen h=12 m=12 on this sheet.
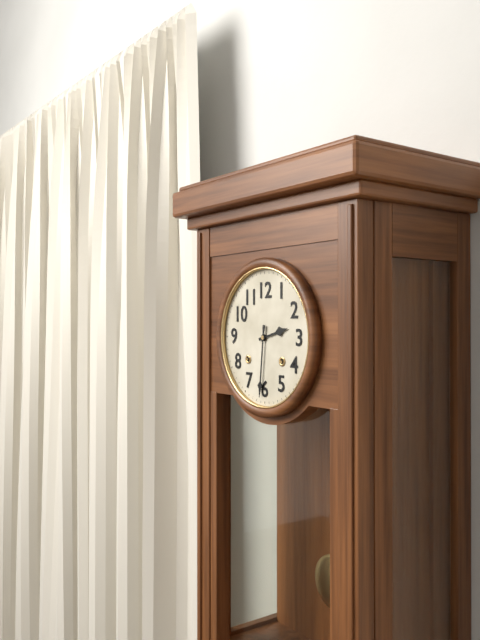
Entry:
h=2 m=31
